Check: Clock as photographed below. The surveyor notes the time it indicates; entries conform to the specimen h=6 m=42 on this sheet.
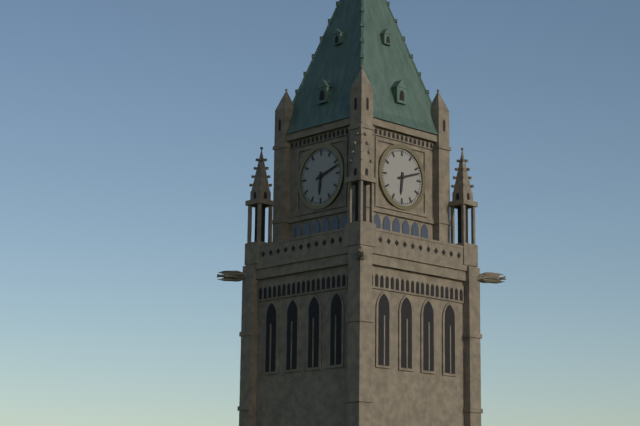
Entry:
h=6 m=12
